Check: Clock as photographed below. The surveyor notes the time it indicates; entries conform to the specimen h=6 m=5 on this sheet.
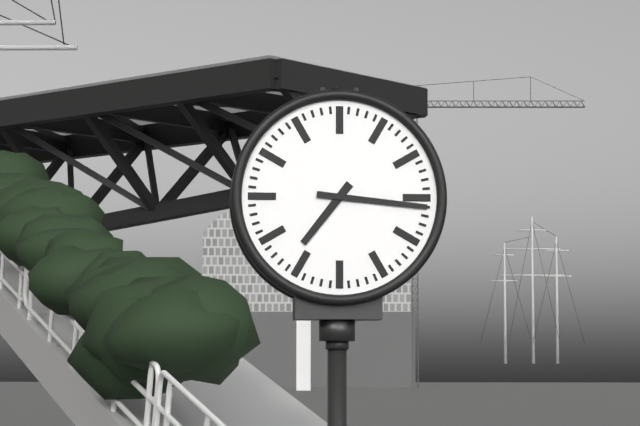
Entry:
h=7 m=16
